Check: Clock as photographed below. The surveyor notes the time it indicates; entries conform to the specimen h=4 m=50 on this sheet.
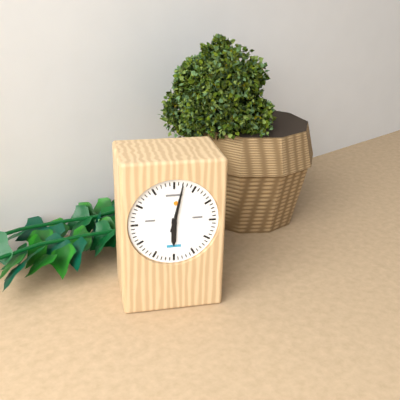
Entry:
h=6 m=2
